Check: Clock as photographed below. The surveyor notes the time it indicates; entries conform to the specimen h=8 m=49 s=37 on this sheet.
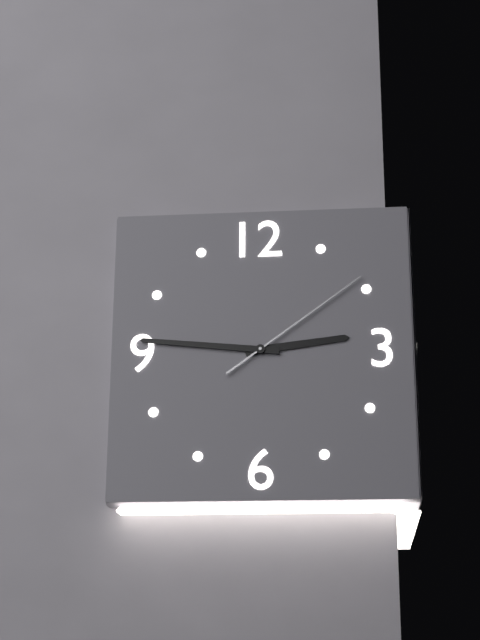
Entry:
h=2 m=46 s=9
